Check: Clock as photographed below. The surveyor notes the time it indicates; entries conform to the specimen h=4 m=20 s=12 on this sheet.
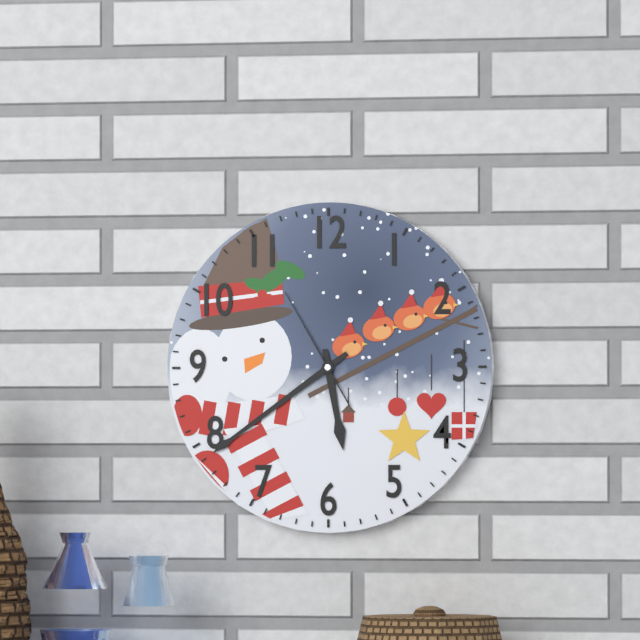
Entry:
h=5 m=39 s=55
